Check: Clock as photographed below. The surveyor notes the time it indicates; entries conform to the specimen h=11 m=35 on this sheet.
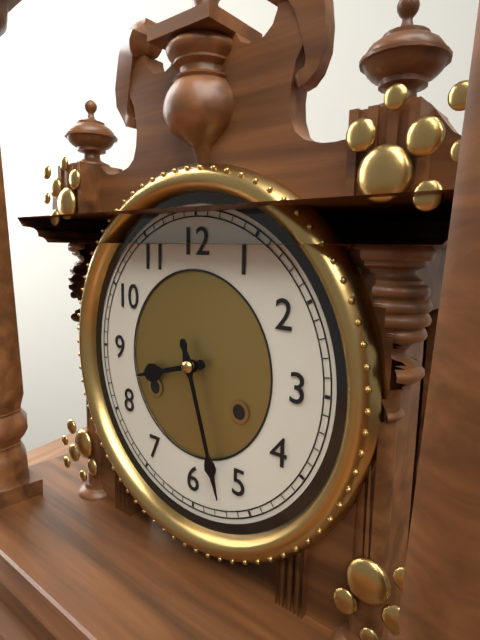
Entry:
h=8 m=27
